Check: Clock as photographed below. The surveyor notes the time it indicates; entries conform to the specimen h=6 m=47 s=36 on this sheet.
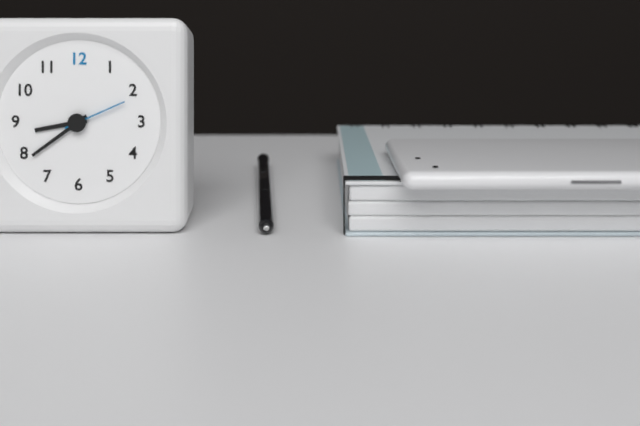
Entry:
h=8 m=39 s=11
